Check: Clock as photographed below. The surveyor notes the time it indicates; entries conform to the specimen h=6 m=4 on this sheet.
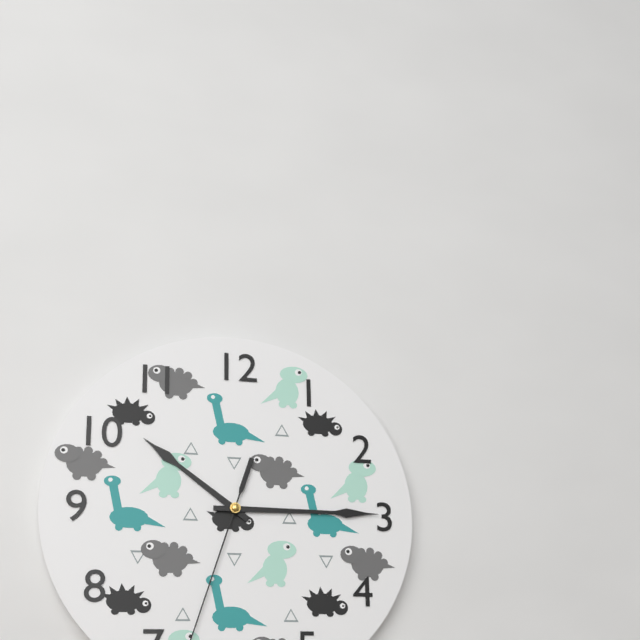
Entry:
h=10 m=15
